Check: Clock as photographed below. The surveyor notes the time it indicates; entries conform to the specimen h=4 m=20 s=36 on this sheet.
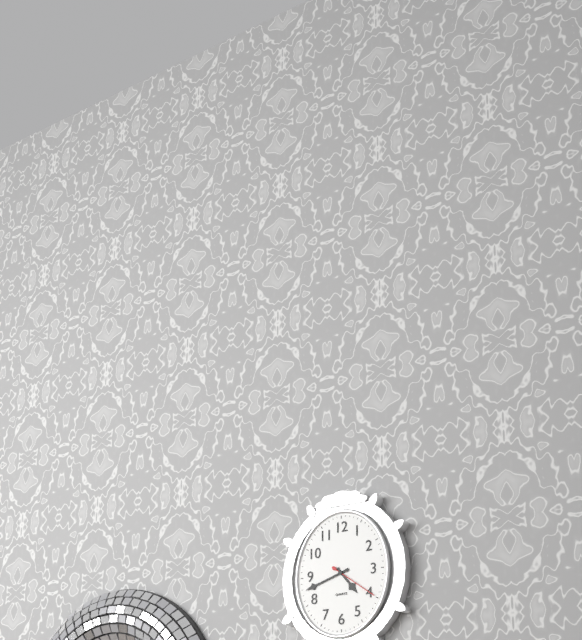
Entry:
h=4 m=42 s=21
